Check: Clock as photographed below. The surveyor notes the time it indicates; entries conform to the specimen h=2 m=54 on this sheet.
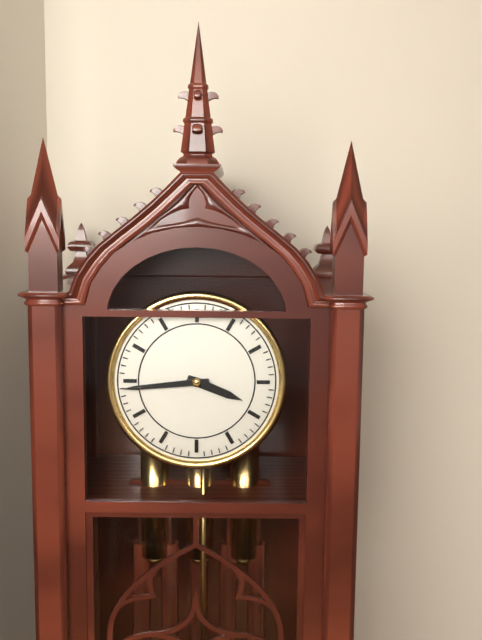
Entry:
h=3 m=44
